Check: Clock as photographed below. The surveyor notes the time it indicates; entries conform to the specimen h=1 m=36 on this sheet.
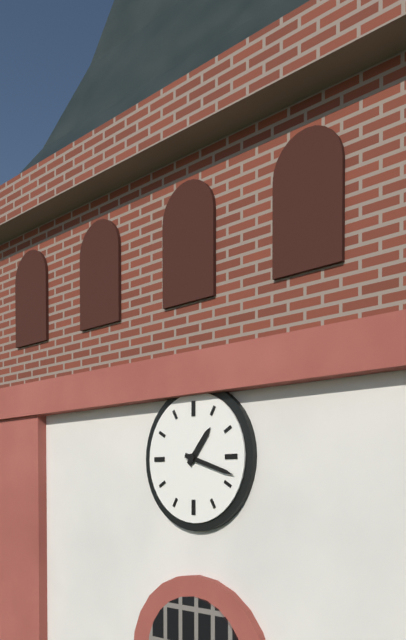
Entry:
h=1 m=18
